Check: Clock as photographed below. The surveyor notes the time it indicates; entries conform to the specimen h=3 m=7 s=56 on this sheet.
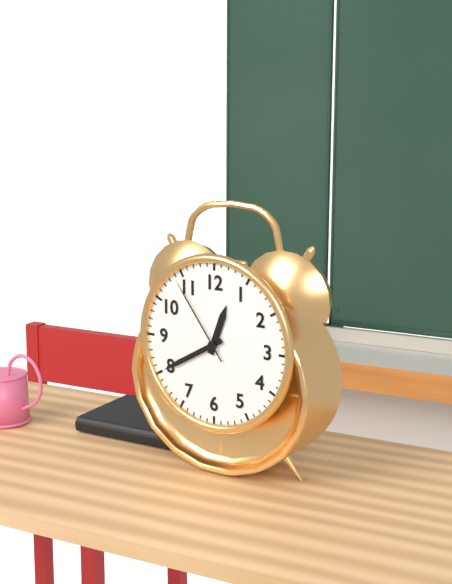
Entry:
h=12 m=40 s=54
